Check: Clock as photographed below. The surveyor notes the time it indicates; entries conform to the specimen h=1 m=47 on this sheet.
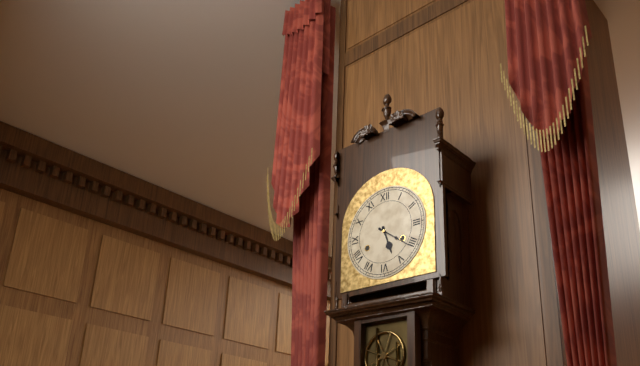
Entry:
h=5 m=21
